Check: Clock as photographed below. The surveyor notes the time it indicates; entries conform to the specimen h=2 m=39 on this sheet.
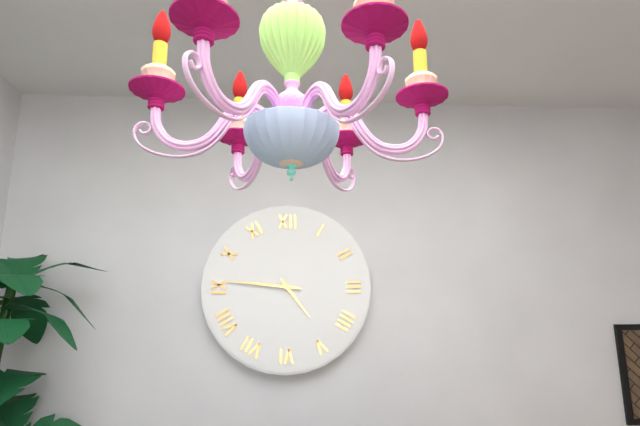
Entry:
h=4 m=46
